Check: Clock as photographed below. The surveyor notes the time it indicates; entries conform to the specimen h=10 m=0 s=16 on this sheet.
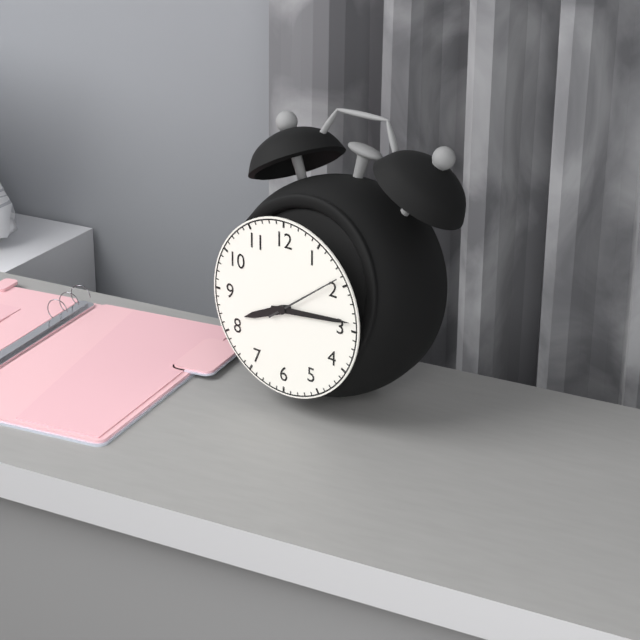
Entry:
h=8 m=14 s=9
